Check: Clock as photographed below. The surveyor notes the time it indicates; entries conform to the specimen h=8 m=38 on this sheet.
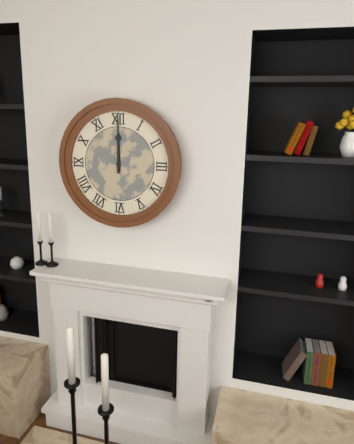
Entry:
h=12 m=0
